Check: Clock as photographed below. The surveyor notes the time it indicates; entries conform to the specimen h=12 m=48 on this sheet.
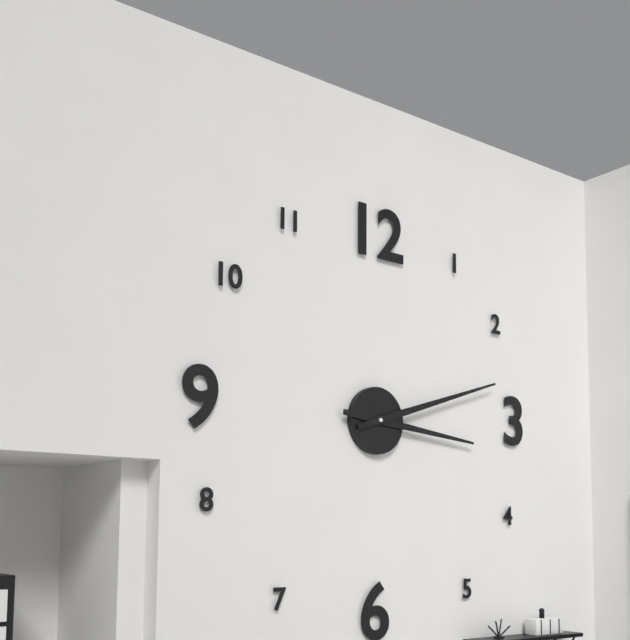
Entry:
h=3 m=12
